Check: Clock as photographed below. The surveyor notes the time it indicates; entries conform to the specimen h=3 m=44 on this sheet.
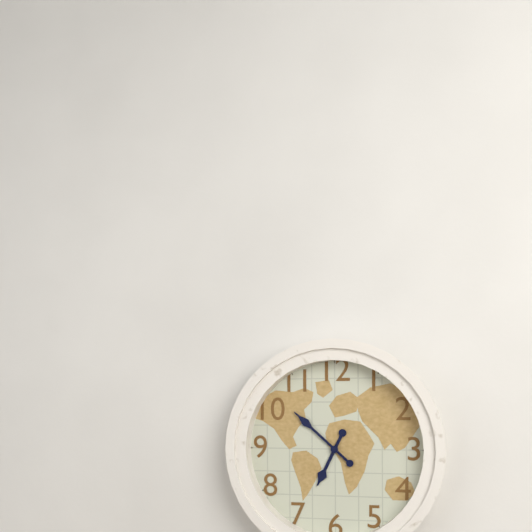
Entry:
h=6 m=52
